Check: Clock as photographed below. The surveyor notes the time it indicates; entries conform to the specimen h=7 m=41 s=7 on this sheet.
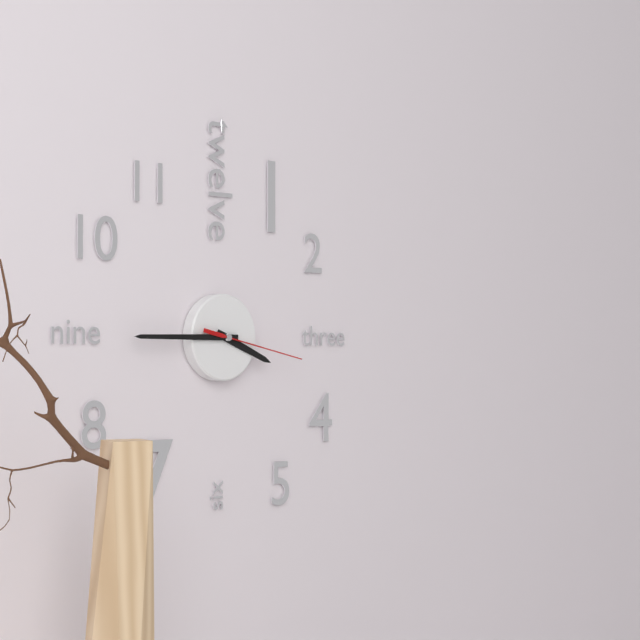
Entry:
h=3 m=45 s=17
